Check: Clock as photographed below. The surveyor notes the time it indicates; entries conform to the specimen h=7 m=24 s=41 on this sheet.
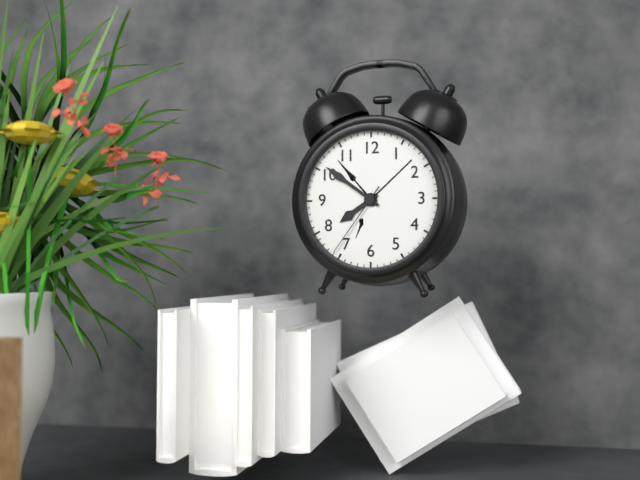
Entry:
h=7 m=51 s=36
